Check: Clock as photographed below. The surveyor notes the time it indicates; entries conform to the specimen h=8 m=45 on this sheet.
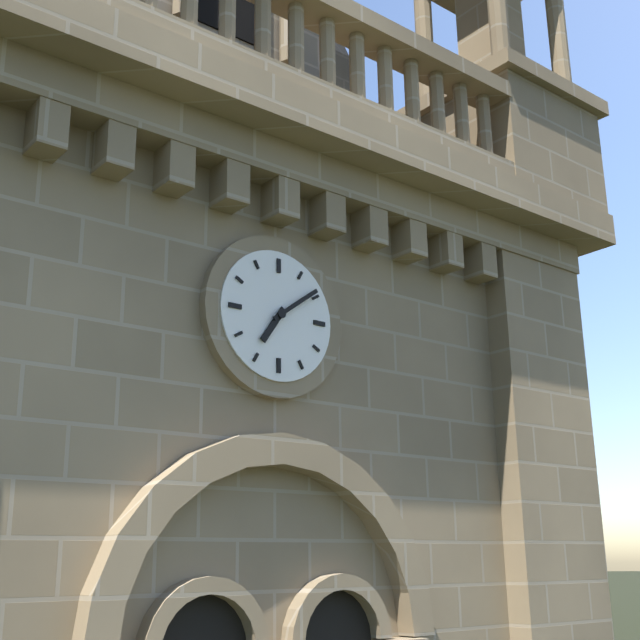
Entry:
h=7 m=9
